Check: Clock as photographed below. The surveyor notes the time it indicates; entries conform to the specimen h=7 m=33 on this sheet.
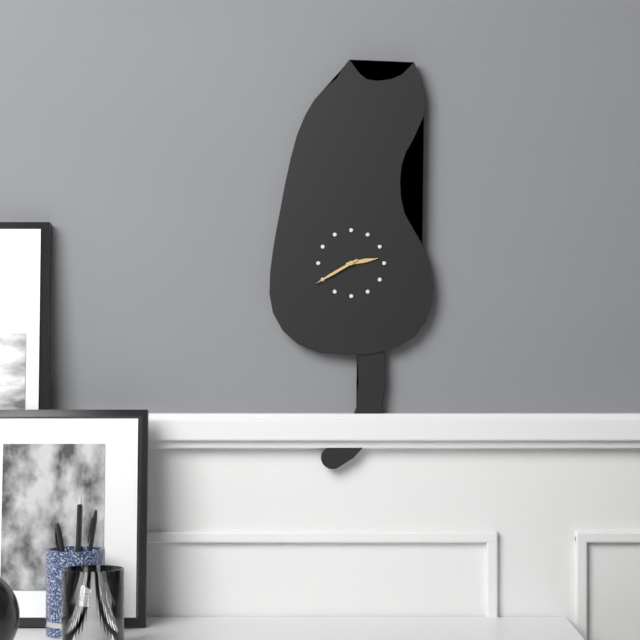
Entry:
h=2 m=40
